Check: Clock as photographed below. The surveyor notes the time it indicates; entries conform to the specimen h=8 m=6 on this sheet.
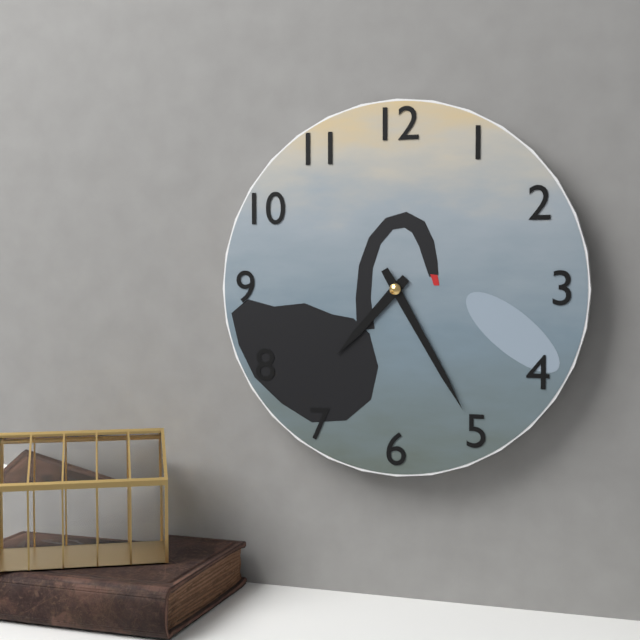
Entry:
h=7 m=25
